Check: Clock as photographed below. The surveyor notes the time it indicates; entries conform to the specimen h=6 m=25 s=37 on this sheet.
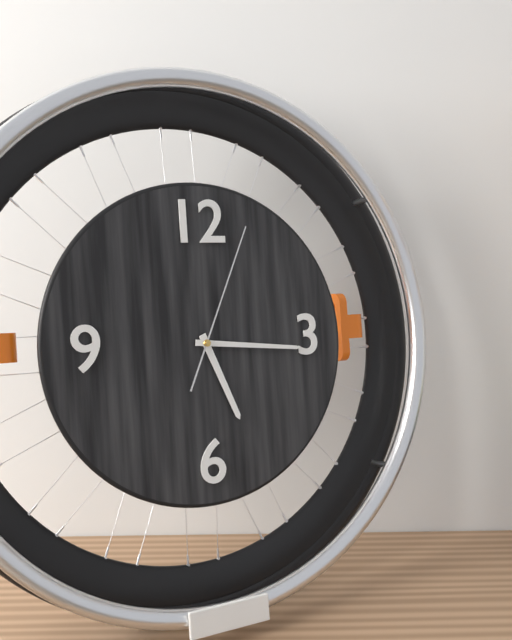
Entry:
h=5 m=16 s=4
